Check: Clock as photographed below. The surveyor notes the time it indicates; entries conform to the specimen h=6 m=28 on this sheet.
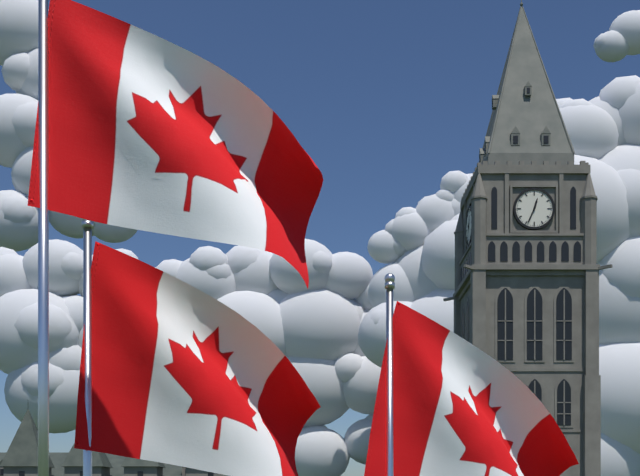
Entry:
h=12 m=34
